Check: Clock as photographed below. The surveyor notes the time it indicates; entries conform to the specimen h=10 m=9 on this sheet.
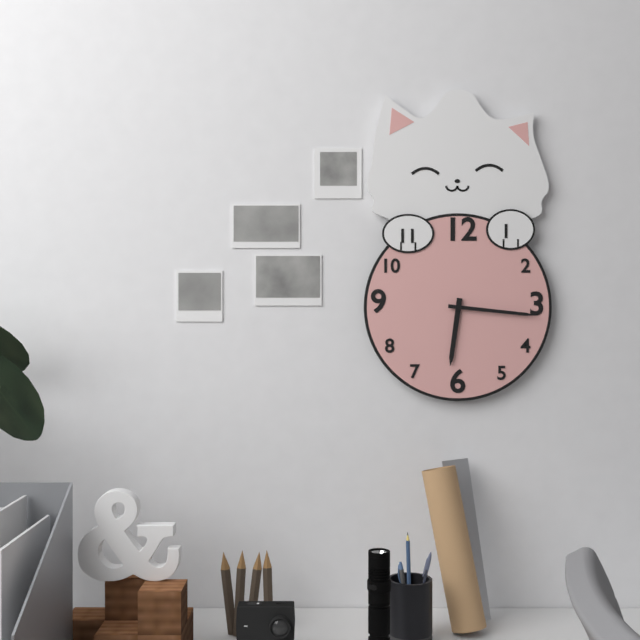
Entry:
h=6 m=16
